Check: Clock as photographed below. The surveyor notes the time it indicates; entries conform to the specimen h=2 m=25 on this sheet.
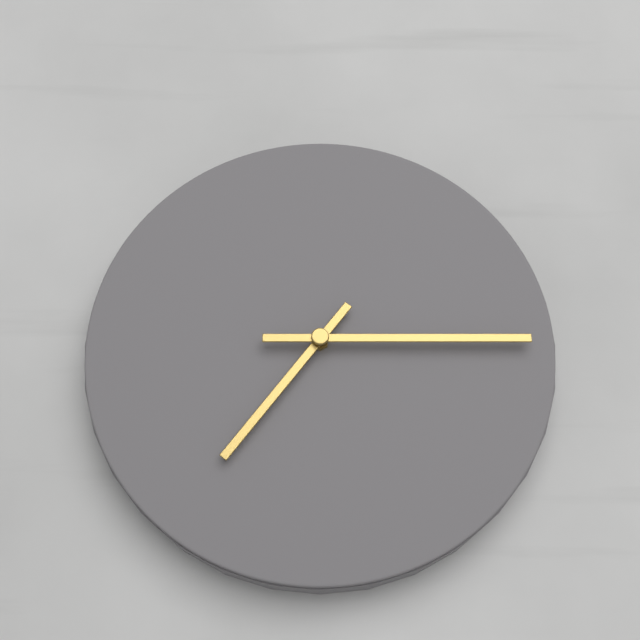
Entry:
h=7 m=15
